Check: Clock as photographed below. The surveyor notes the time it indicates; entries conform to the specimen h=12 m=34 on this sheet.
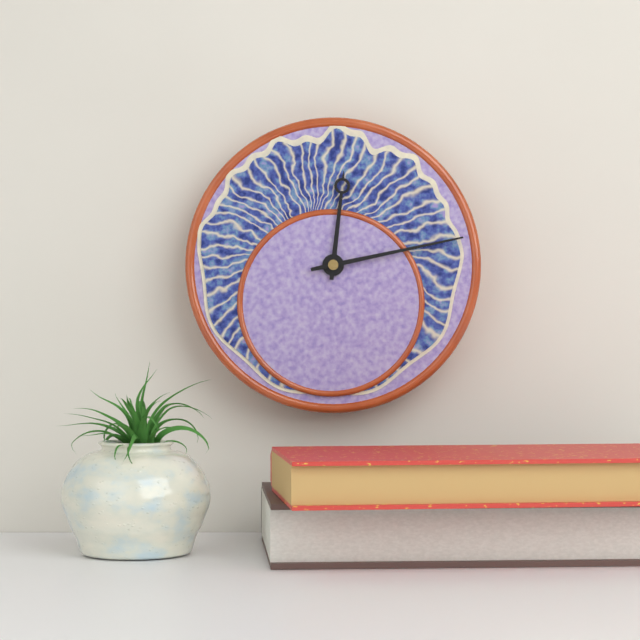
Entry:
h=12 m=13
